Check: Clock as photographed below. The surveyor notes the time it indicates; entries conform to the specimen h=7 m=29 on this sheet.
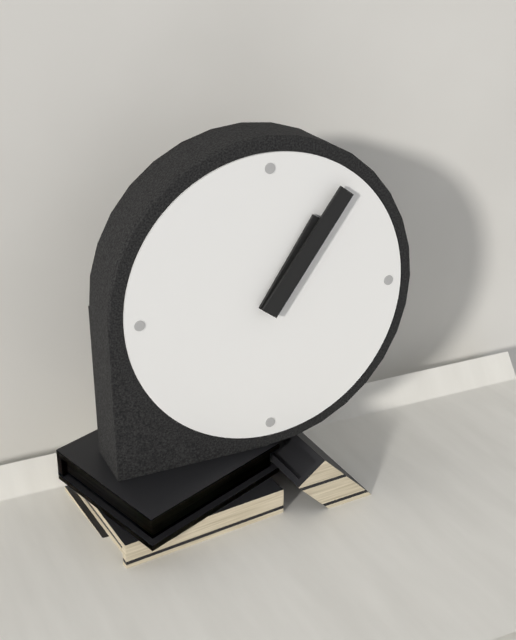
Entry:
h=1 m=6
